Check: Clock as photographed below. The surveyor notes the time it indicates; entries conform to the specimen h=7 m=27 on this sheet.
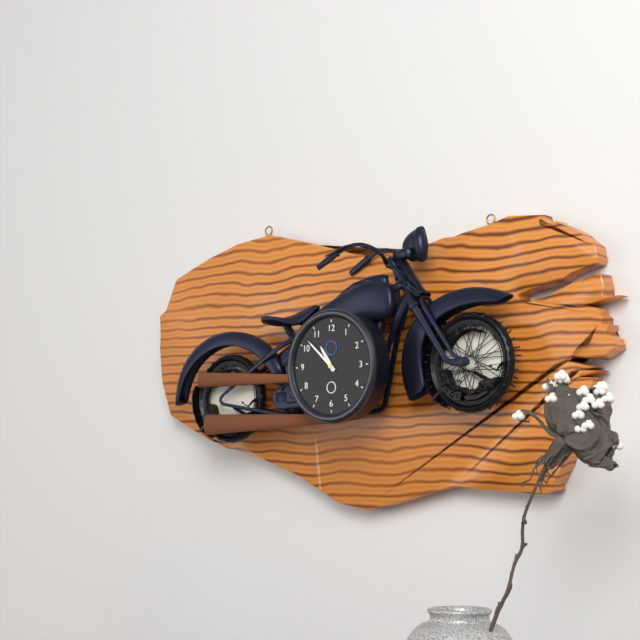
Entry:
h=10 m=52
